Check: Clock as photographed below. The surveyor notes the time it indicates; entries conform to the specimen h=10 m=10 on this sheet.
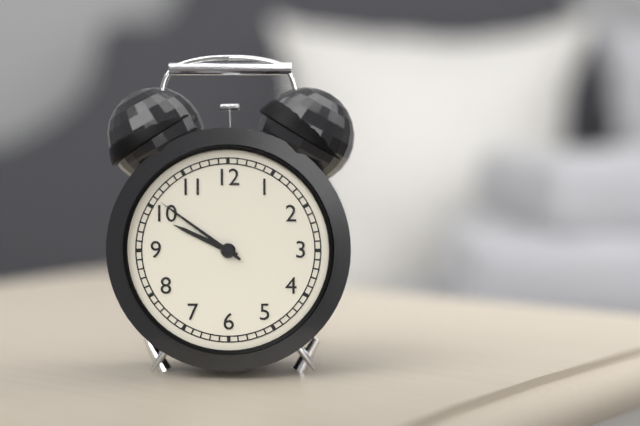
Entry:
h=9 m=51
